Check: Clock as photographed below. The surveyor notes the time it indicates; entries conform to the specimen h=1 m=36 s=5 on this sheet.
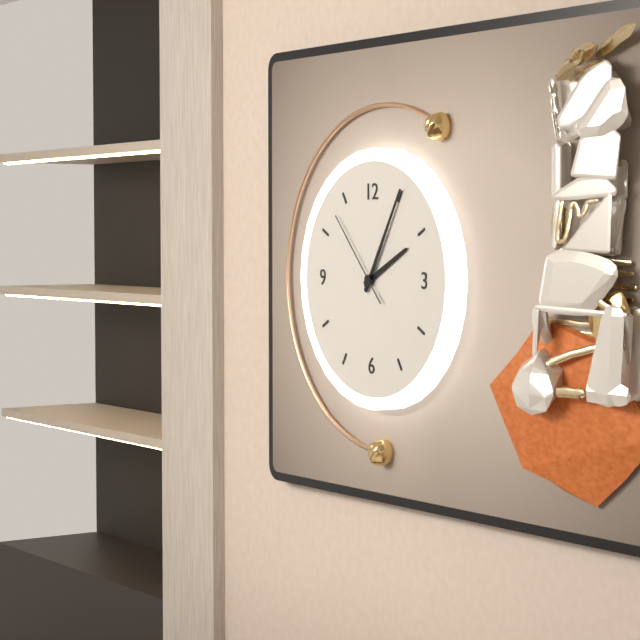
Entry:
h=2 m=5 s=53
